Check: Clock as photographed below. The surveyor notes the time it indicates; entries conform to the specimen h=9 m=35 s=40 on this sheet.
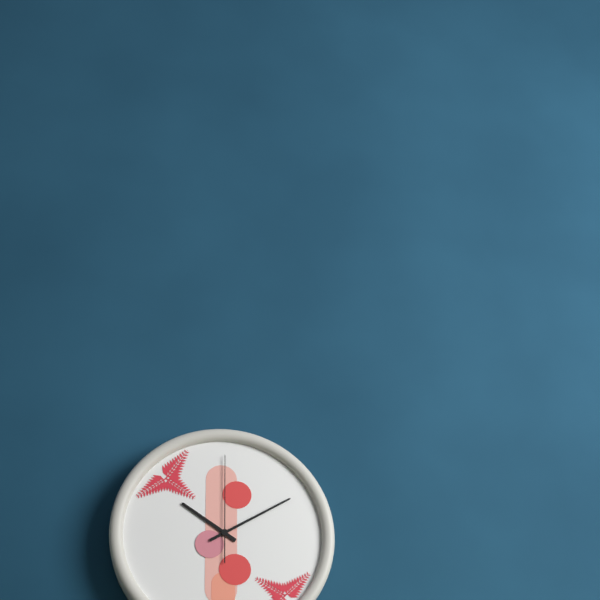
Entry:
h=10 m=10 s=0
